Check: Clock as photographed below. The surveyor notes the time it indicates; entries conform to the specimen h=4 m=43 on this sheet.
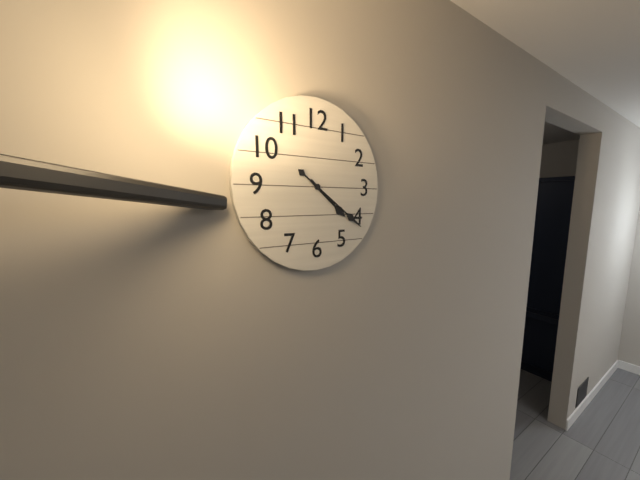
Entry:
h=4 m=21
